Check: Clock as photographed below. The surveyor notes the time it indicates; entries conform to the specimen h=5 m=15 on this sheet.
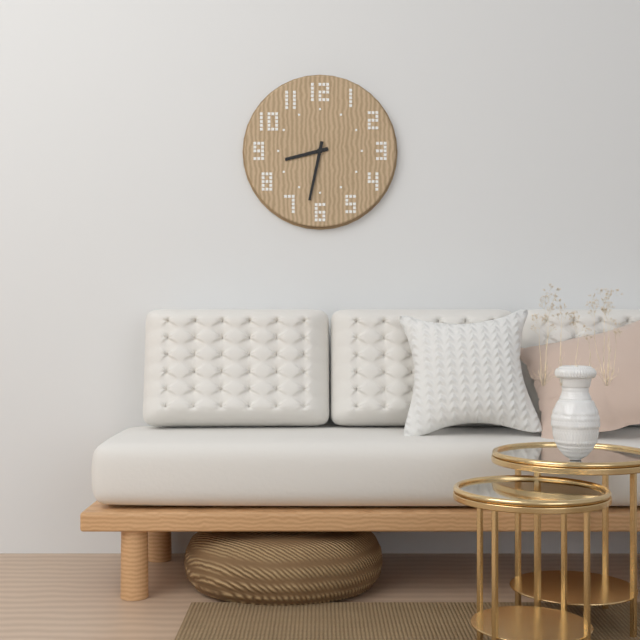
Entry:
h=8 m=32
